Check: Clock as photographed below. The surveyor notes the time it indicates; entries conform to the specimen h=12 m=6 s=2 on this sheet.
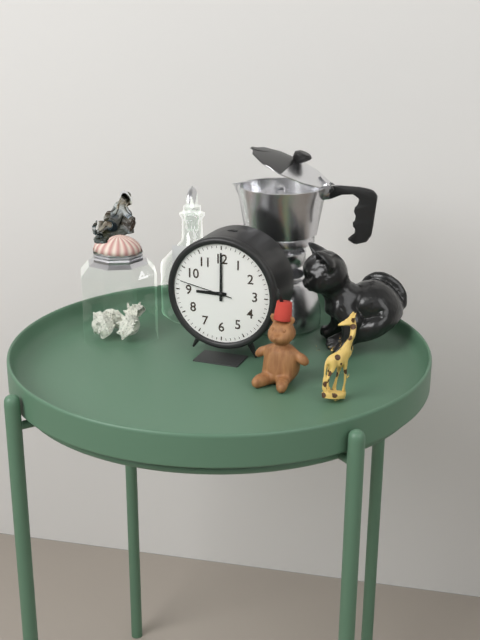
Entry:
h=9 m=0 s=47
